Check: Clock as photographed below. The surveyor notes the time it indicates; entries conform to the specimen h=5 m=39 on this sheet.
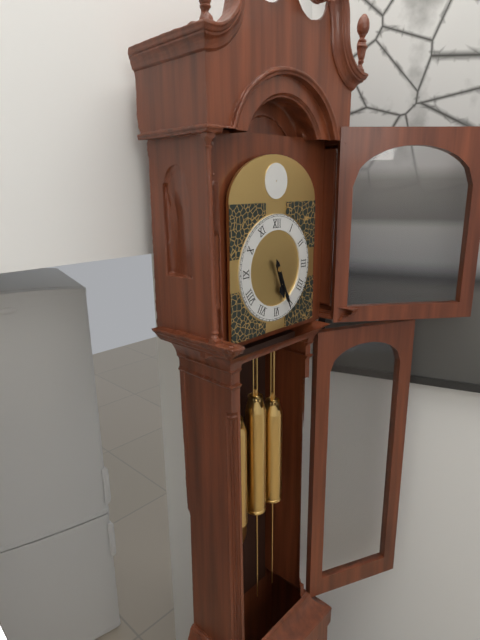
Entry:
h=5 m=26
